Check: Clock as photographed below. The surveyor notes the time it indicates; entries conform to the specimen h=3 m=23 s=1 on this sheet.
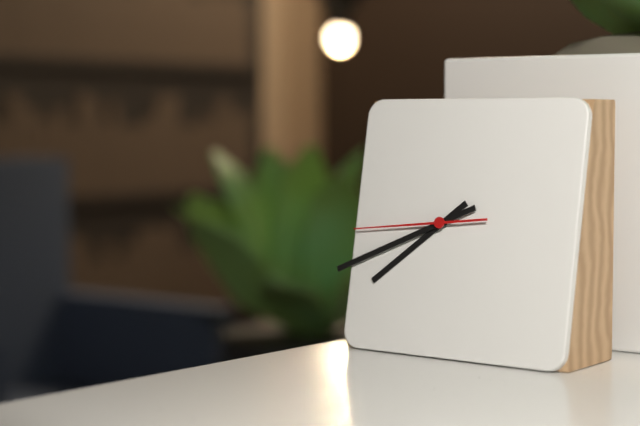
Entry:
h=7 m=41 s=44
